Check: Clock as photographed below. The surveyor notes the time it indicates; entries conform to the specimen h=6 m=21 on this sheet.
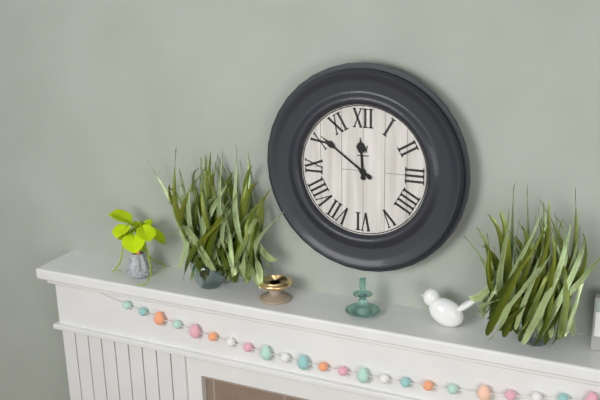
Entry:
h=11 m=51
